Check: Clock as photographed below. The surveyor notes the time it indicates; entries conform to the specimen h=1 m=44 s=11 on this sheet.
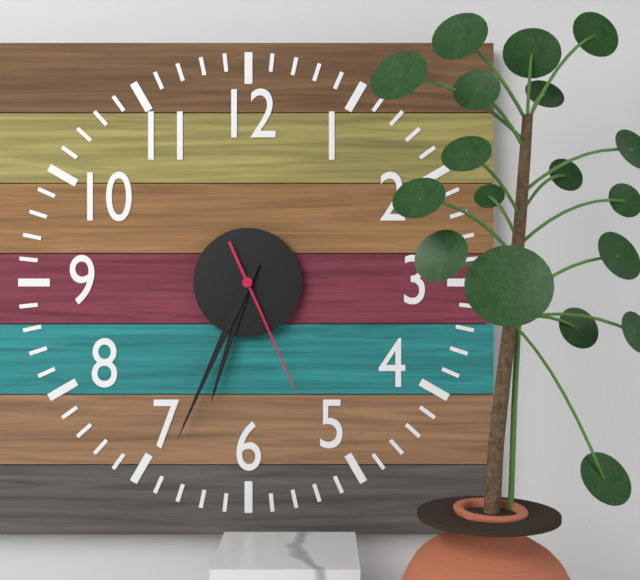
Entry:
h=6 m=34 s=26
